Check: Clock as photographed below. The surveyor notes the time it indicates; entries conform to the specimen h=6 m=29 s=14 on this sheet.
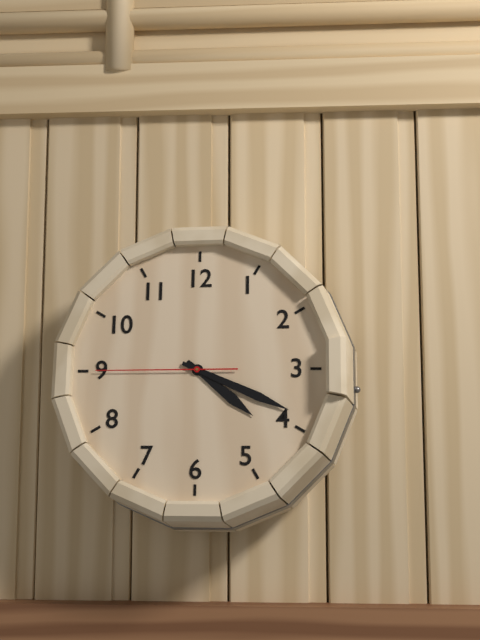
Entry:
h=4 m=19 s=45
